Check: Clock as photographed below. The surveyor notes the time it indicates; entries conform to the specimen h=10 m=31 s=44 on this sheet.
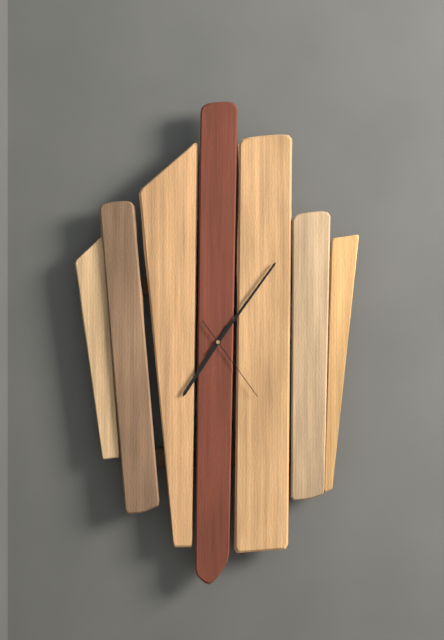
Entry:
h=7 m=6 s=24
